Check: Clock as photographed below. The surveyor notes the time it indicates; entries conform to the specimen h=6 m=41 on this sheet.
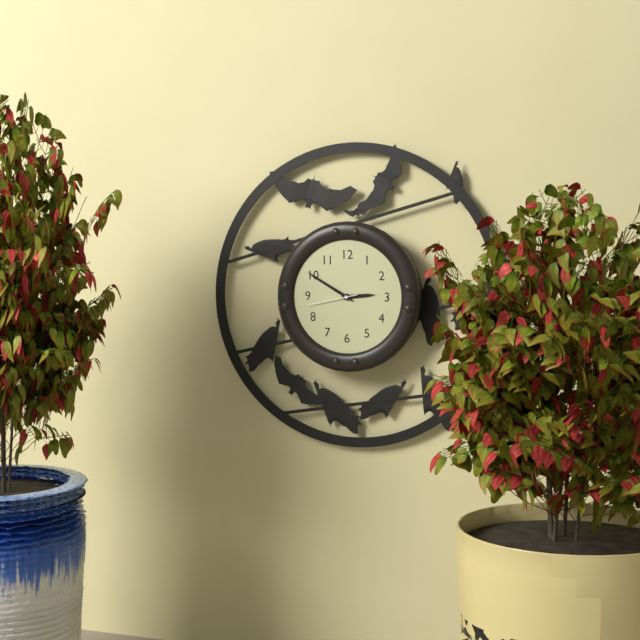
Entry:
h=2 m=50
